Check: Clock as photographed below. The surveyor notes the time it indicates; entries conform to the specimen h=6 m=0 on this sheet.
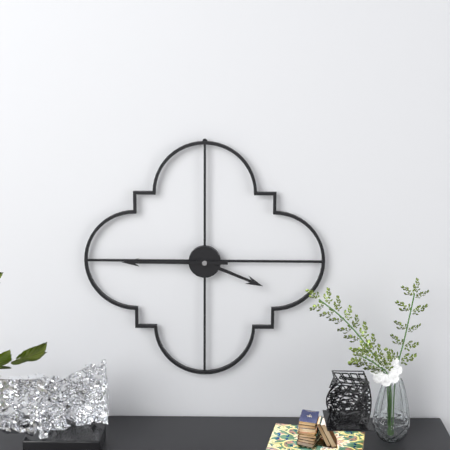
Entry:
h=3 m=45
